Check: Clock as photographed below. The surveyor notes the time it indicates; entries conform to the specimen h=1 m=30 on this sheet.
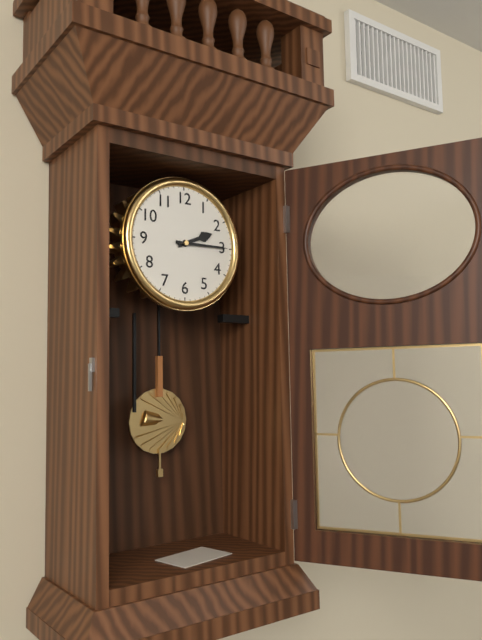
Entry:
h=2 m=15
